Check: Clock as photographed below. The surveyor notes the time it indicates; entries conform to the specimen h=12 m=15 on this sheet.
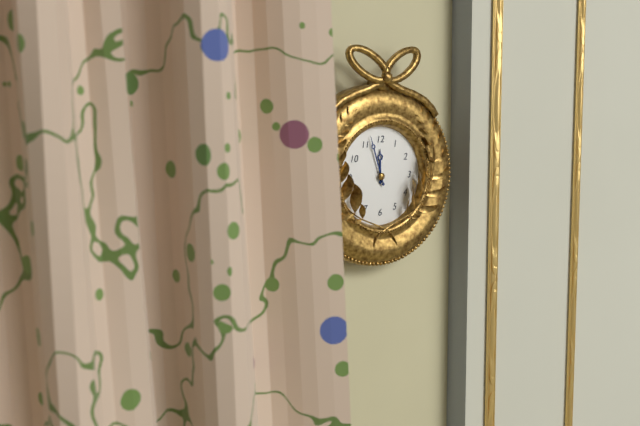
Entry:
h=11 m=57
